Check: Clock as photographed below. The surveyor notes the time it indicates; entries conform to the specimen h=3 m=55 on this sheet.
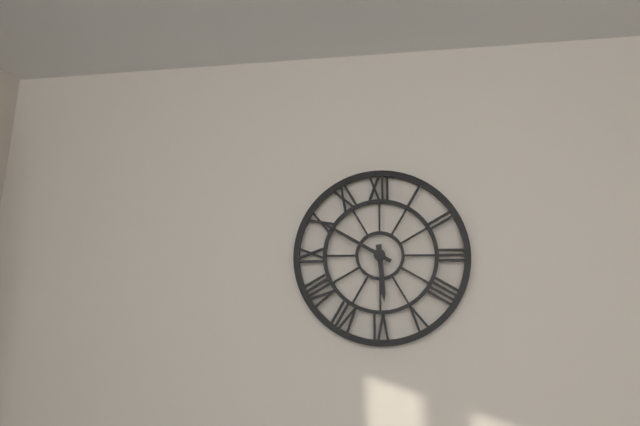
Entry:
h=5 m=50
